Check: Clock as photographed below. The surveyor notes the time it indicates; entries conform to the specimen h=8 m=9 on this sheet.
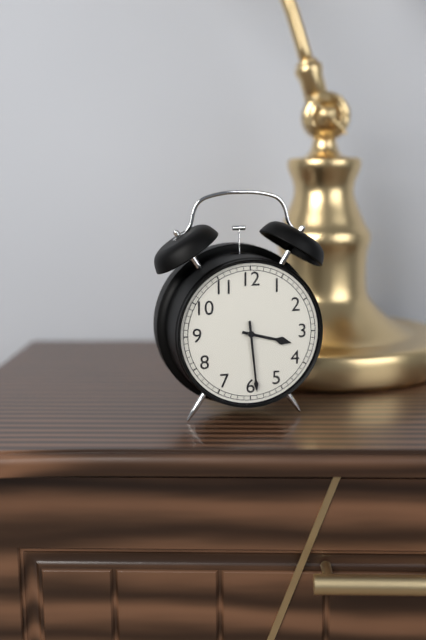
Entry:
h=3 m=29
